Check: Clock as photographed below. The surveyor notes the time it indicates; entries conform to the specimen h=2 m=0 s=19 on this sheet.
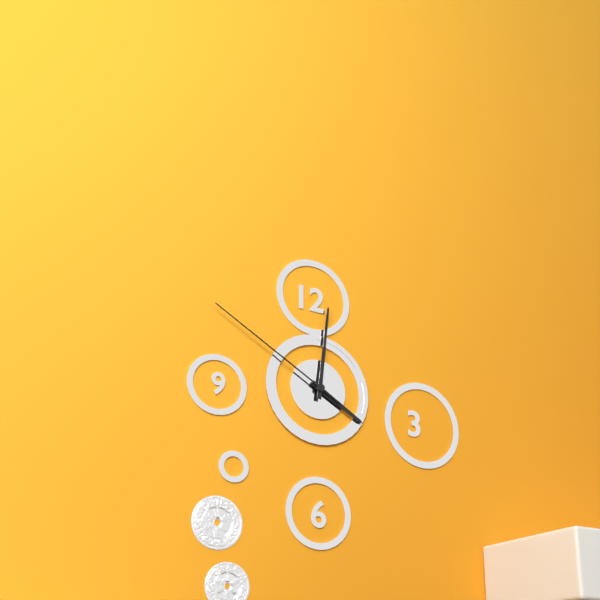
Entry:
h=4 m=1 s=50
